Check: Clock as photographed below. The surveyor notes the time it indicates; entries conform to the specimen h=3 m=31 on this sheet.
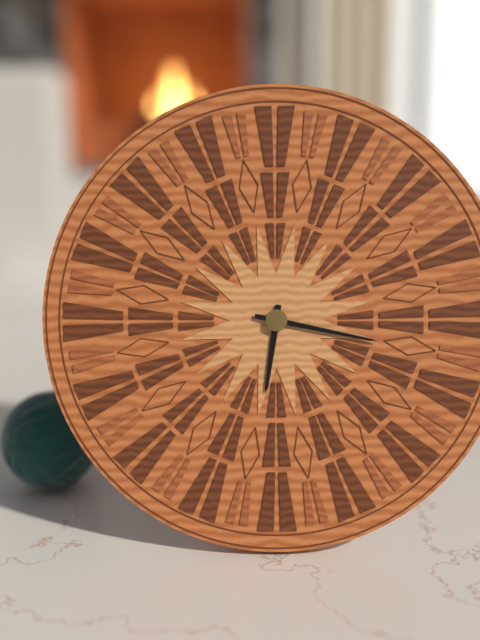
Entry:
h=6 m=17
